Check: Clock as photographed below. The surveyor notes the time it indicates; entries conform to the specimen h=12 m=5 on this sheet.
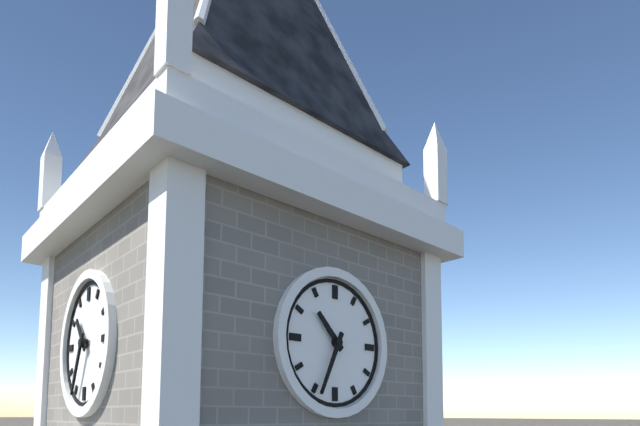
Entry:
h=10 m=34
